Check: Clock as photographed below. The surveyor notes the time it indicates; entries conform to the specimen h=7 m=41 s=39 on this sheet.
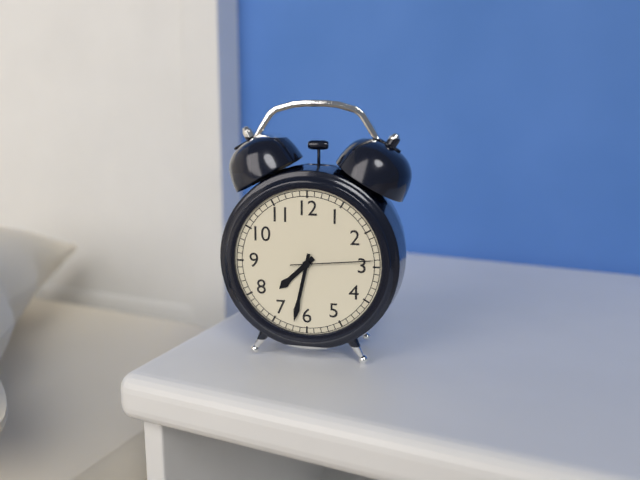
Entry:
h=7 m=32 s=14
